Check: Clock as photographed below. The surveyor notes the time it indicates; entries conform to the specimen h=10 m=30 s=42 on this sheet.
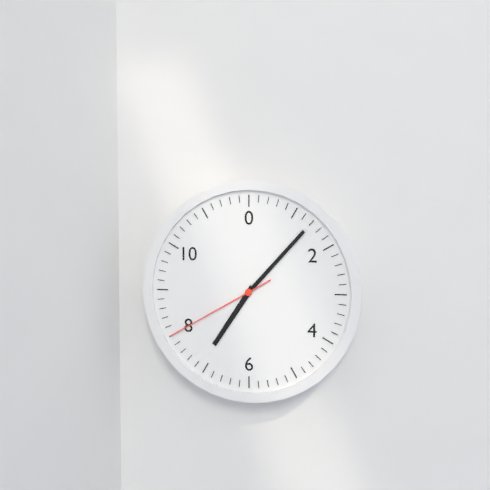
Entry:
h=7 m=7 s=40
